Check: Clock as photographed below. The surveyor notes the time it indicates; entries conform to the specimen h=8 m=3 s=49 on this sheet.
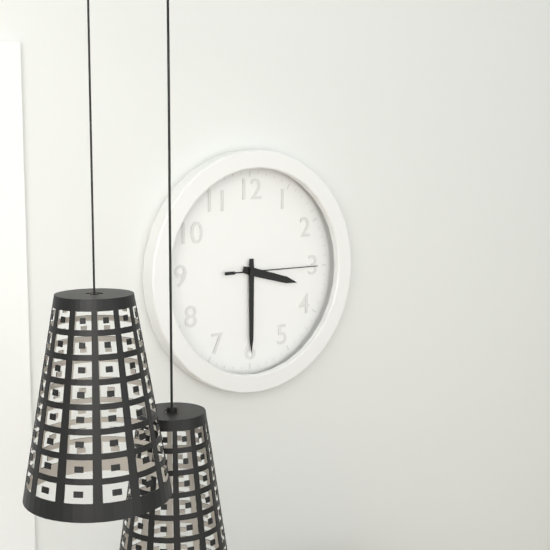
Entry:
h=3 m=30 s=15
